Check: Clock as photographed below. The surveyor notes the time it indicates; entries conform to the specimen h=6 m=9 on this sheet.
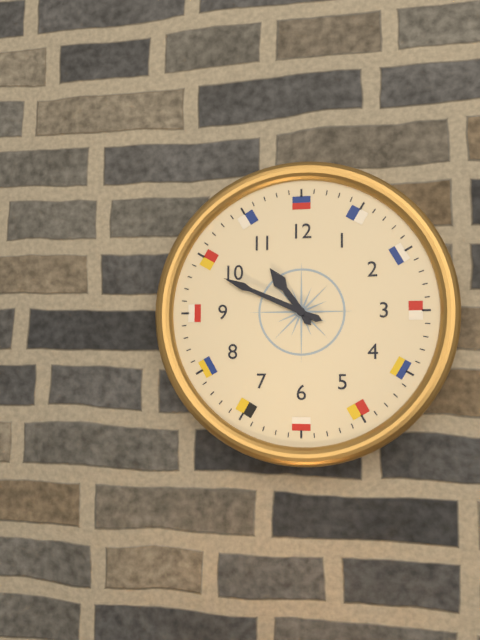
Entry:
h=10 m=49
